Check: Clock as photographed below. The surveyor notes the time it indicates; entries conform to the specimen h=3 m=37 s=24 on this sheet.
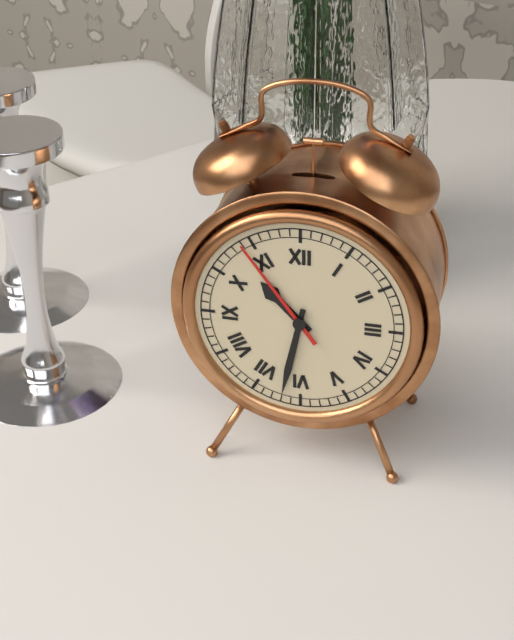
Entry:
h=10 m=32 s=54
